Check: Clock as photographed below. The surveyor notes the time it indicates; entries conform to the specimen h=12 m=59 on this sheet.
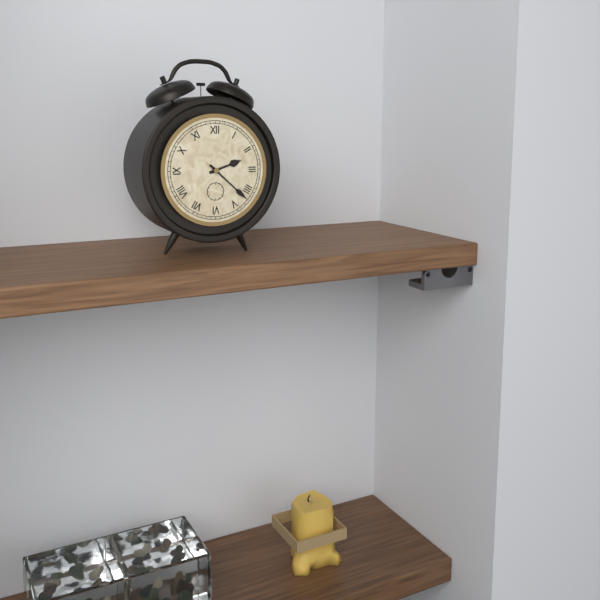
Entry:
h=2 m=22
